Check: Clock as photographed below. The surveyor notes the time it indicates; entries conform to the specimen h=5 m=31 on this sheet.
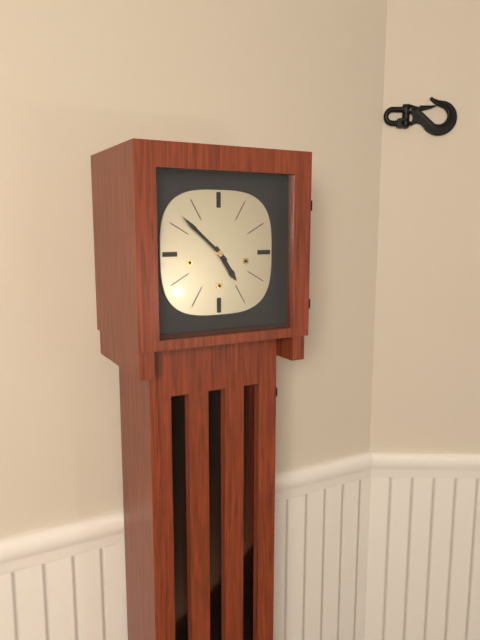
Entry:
h=4 m=52
